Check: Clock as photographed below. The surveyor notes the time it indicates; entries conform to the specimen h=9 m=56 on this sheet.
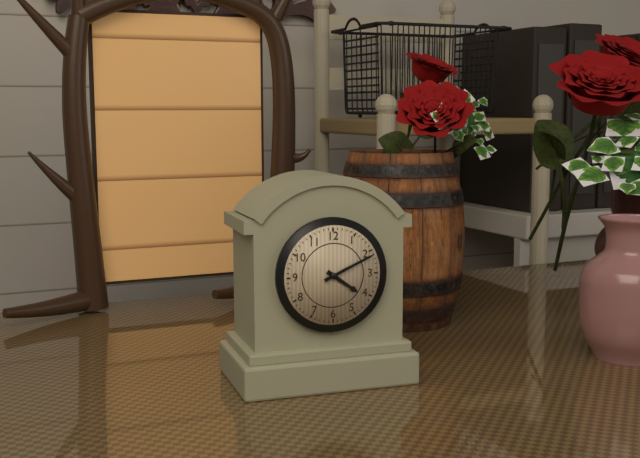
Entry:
h=4 m=11
